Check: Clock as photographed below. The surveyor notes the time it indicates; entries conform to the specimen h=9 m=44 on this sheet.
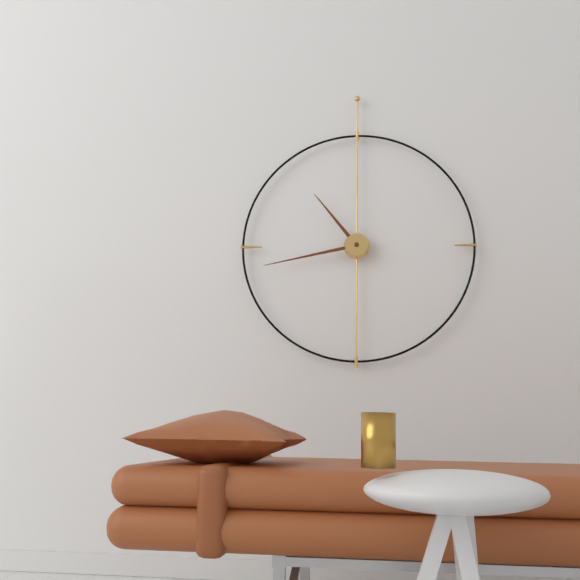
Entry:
h=10 m=43
